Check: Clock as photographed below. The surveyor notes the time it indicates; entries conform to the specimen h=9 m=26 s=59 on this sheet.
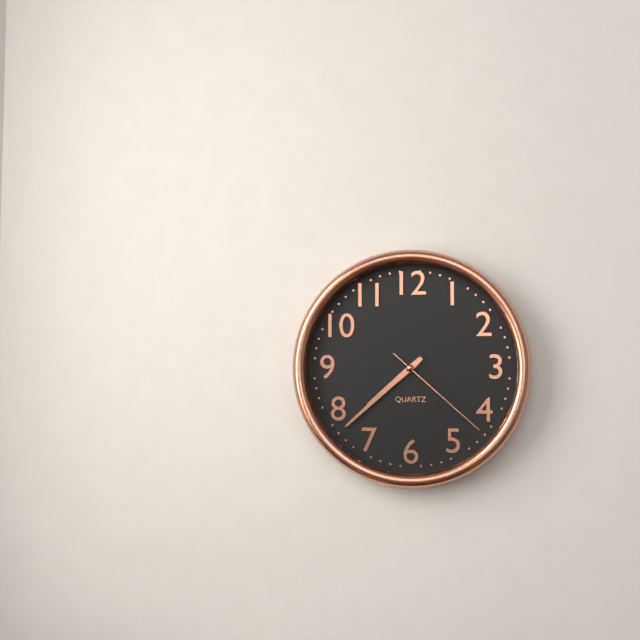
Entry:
h=7 m=38 s=22
